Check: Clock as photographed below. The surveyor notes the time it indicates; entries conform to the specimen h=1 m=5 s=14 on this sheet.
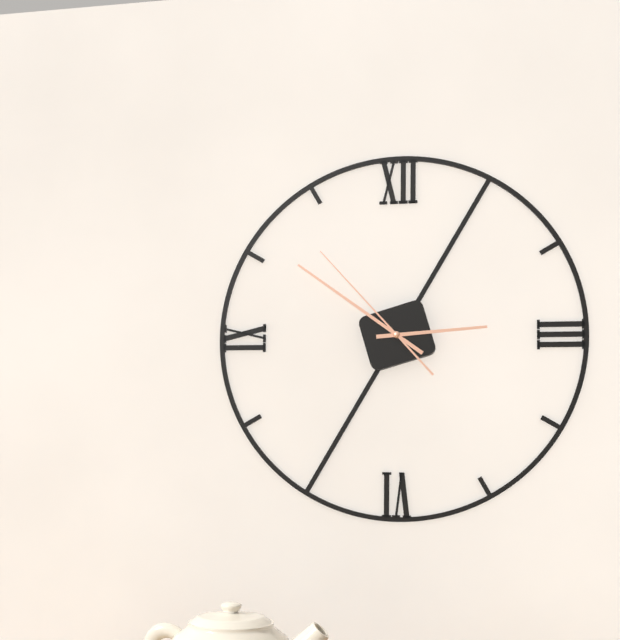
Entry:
h=2 m=51 s=53
